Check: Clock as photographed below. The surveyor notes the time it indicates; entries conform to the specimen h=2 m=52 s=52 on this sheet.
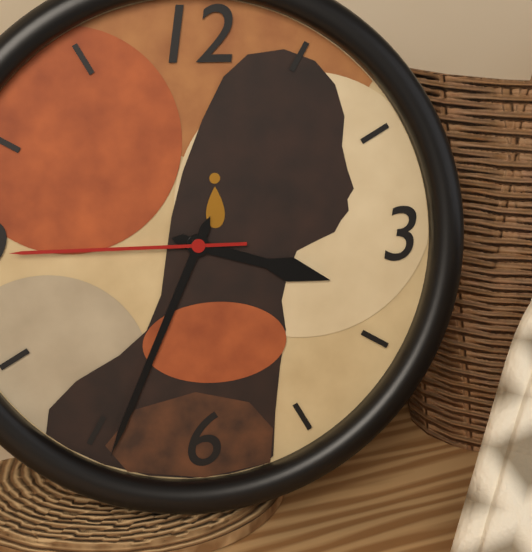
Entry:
h=3 m=34 s=45
